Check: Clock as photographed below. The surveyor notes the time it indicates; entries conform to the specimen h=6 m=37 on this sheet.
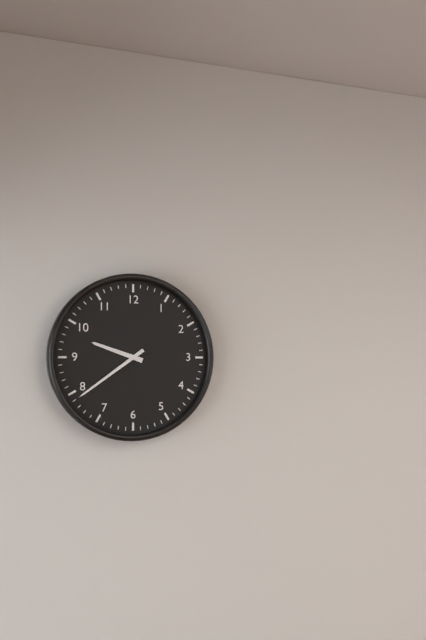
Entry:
h=9 m=39
